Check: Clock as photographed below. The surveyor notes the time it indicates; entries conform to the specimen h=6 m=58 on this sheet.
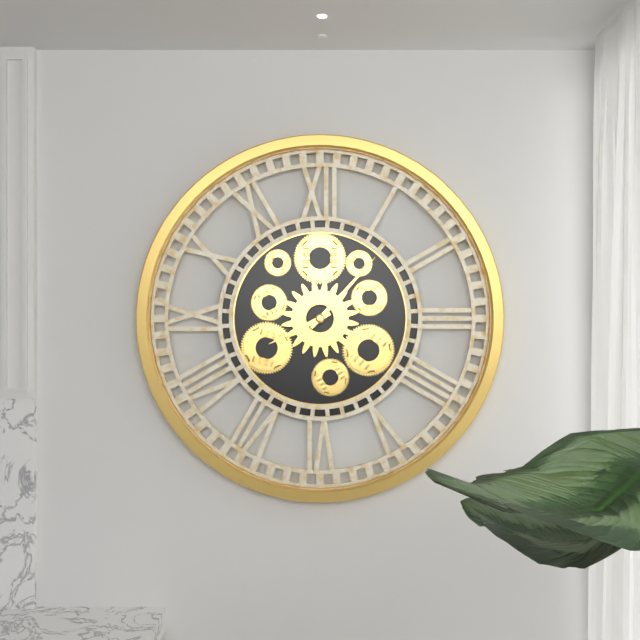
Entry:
h=8 m=7
